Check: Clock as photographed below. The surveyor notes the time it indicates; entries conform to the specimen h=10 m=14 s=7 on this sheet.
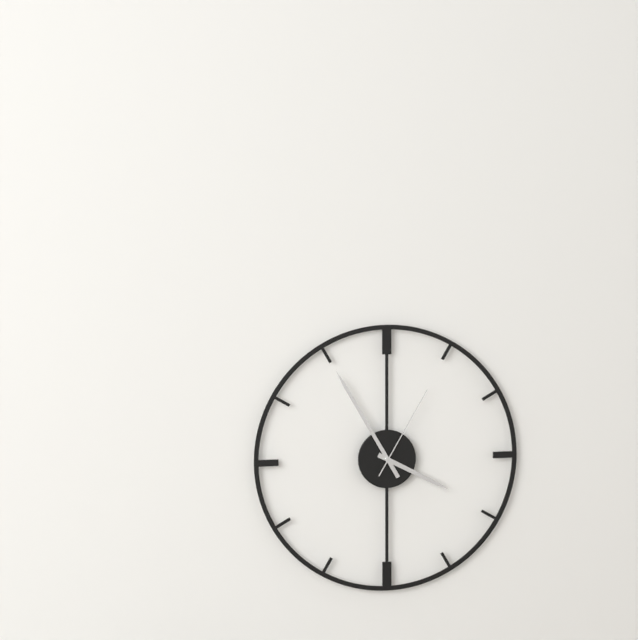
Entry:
h=3 m=55 s=5
